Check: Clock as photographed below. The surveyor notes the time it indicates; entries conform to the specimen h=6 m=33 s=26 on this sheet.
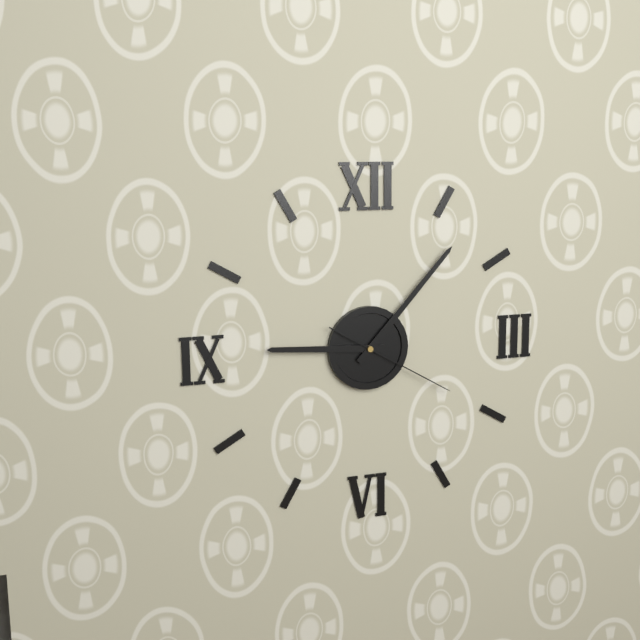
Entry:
h=9 m=7 s=20
